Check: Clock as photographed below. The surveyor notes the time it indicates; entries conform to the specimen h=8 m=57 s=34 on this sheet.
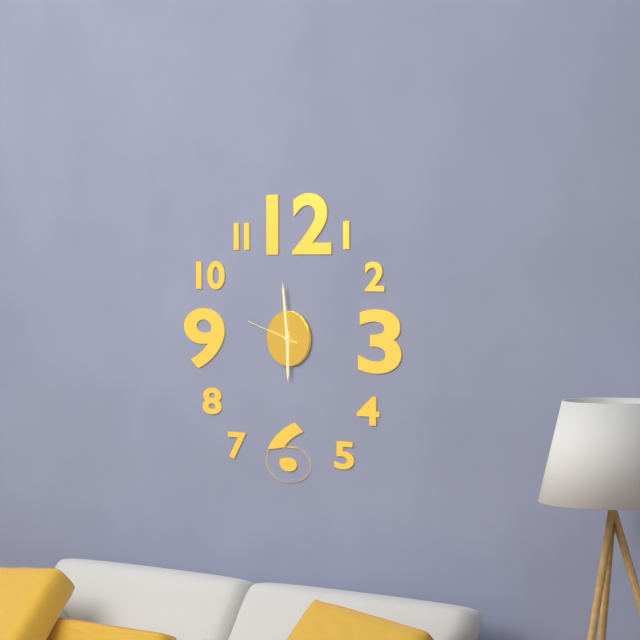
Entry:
h=5 m=59 s=48
